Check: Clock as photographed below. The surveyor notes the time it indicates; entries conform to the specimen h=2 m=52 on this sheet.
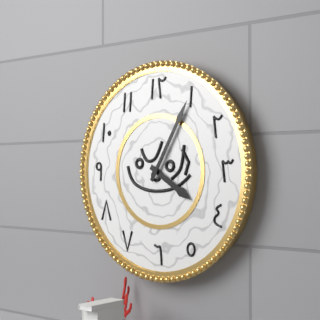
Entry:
h=4 m=5
